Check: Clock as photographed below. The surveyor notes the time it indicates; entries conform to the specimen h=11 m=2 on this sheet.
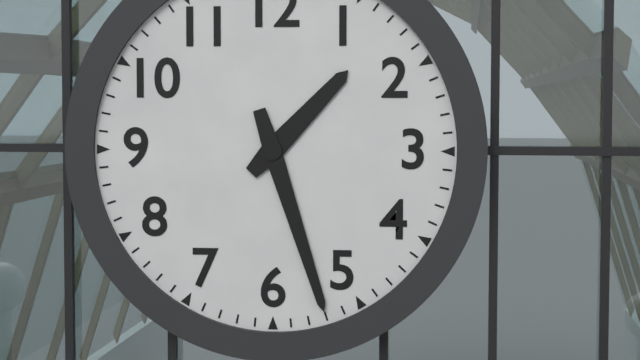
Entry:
h=1 m=27
